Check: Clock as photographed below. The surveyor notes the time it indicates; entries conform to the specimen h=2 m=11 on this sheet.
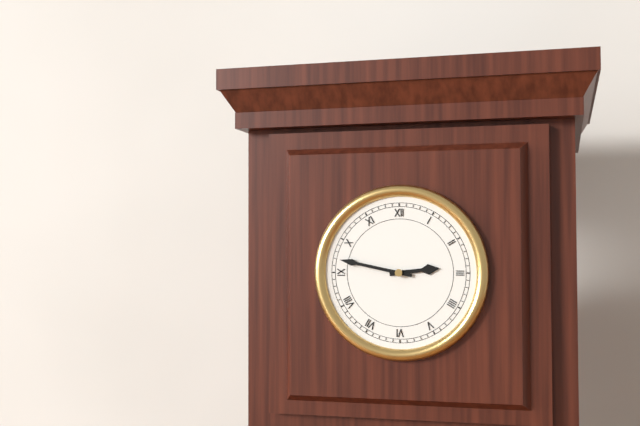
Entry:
h=2 m=47
